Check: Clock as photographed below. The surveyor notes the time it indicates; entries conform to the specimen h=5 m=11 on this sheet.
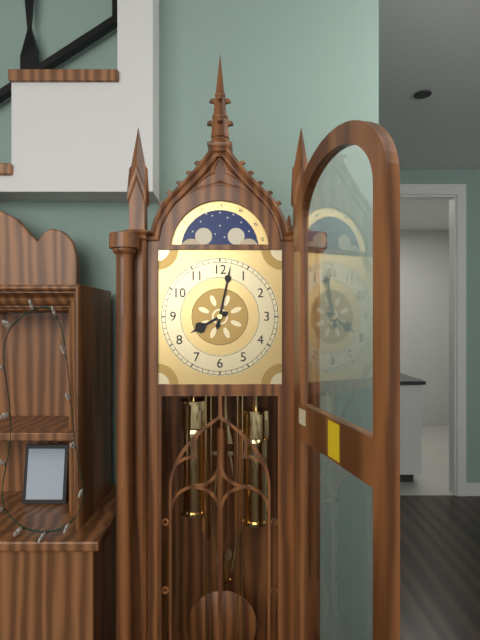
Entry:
h=8 m=2
